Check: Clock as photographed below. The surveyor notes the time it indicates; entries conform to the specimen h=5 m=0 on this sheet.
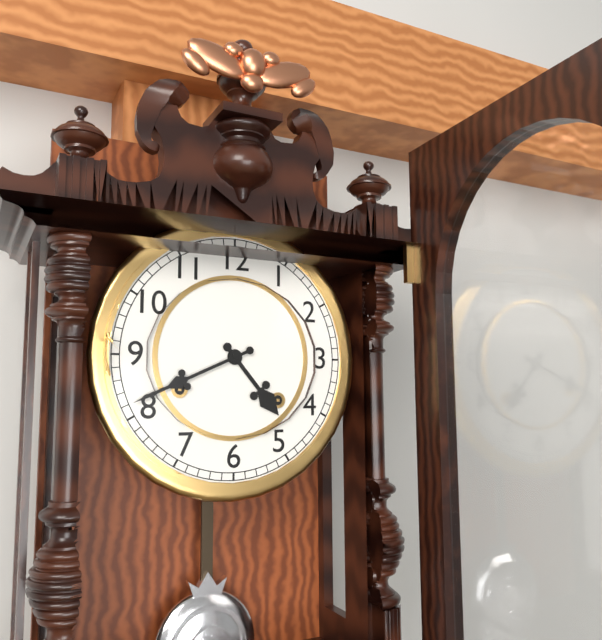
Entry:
h=4 m=41
